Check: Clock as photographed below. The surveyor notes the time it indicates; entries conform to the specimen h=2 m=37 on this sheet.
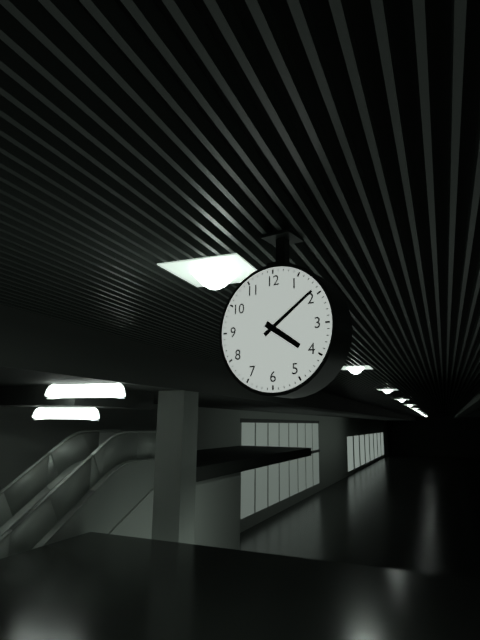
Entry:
h=4 m=9
